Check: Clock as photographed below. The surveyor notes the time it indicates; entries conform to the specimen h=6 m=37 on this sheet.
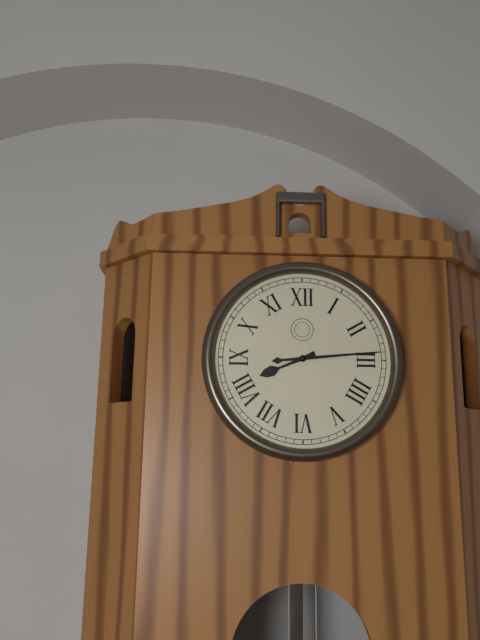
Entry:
h=8 m=14
